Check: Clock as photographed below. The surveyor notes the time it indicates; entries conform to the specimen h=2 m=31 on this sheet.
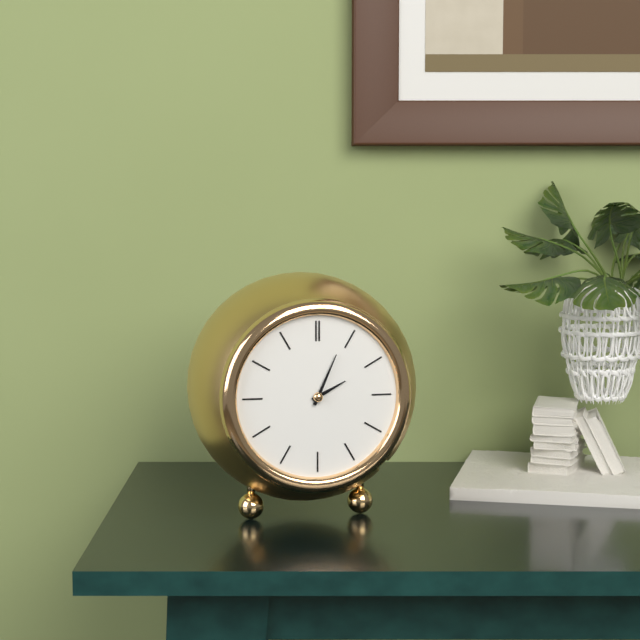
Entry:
h=2 m=4
